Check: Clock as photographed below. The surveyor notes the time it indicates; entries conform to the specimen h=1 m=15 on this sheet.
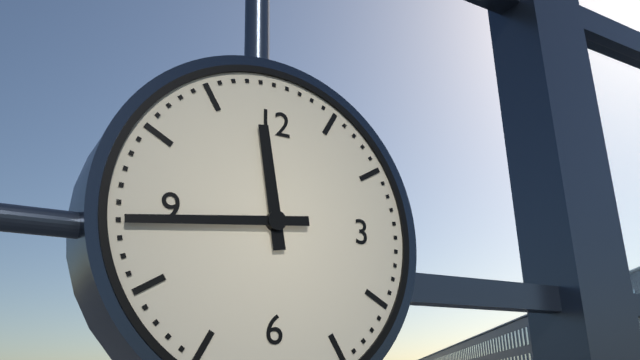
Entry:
h=11 m=44
